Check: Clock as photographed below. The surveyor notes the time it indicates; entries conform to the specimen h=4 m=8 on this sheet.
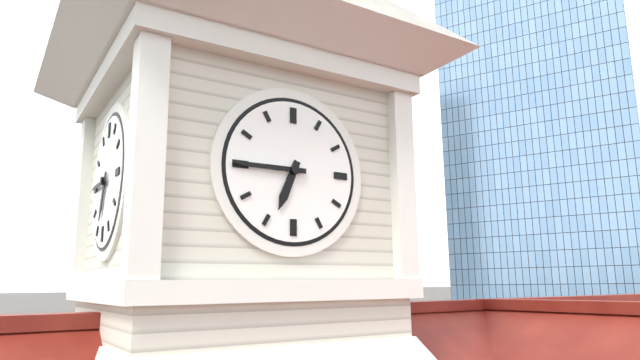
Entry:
h=6 m=45
